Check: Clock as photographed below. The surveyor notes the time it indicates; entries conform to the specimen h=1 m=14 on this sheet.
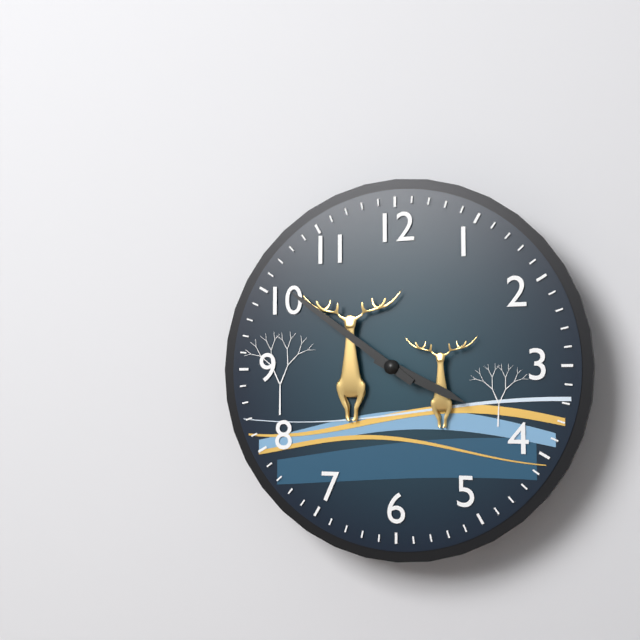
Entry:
h=3 m=51
